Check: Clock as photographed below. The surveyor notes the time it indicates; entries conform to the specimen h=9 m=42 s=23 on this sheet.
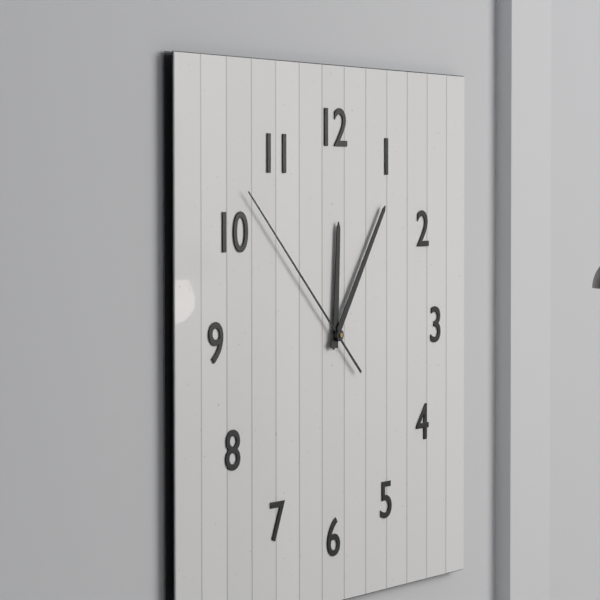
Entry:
h=12 m=6 s=52
